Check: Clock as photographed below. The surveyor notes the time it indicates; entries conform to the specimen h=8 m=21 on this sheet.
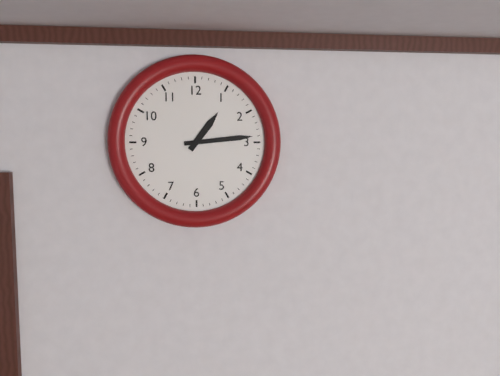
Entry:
h=1 m=14
